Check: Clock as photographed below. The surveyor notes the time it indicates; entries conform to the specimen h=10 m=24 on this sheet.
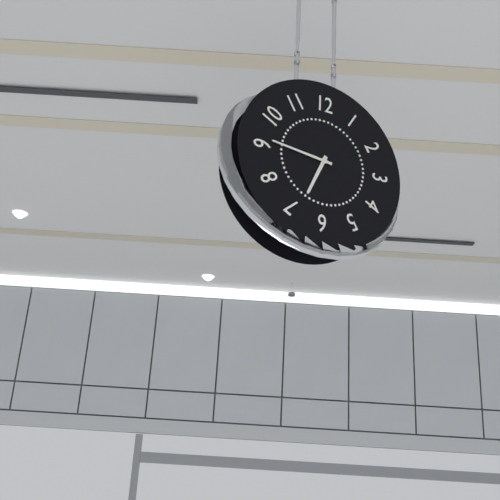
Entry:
h=6 m=46
